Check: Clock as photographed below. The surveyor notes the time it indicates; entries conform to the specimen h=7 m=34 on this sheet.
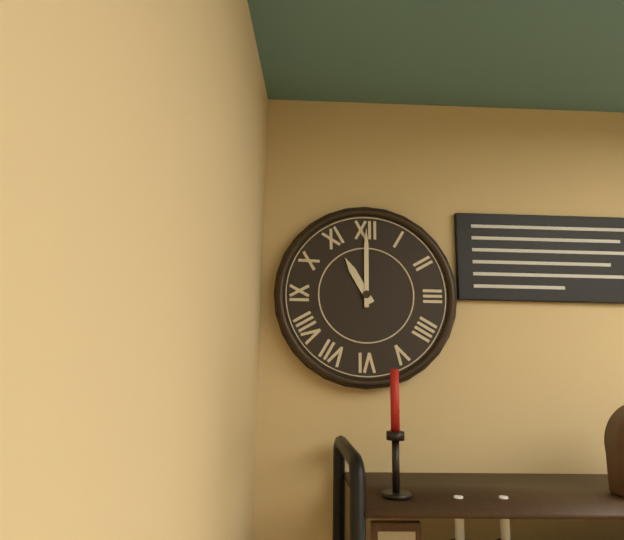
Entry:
h=11 m=0
